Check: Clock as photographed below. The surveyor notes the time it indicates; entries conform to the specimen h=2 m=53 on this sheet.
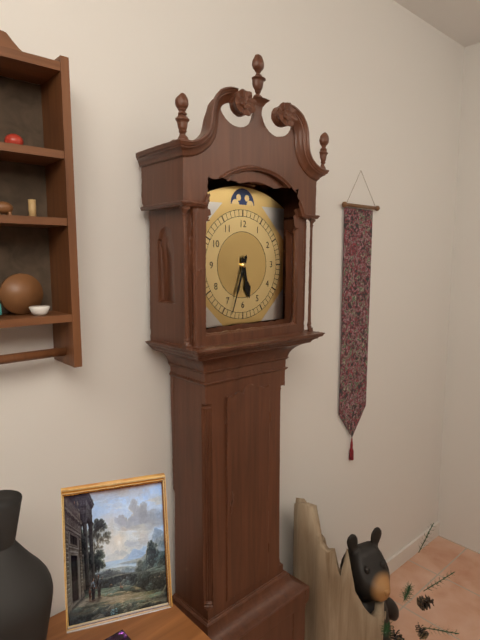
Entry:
h=5 m=33
